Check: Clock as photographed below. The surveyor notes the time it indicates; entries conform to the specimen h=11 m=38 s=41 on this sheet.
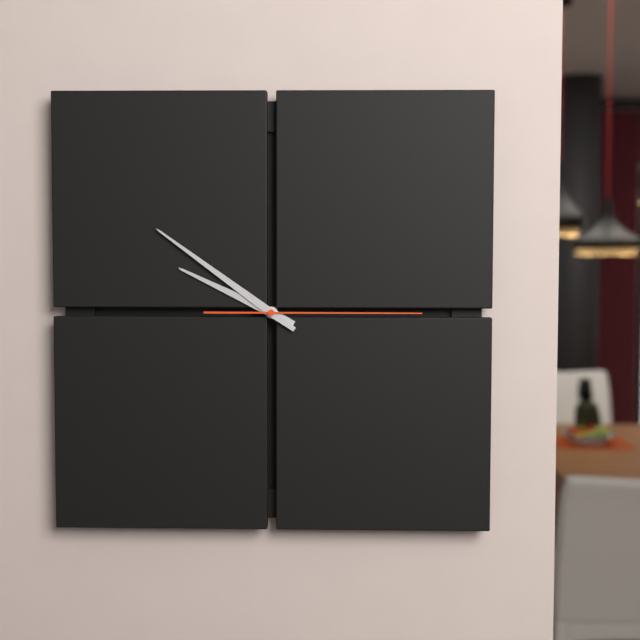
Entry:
h=9 m=51 s=15
